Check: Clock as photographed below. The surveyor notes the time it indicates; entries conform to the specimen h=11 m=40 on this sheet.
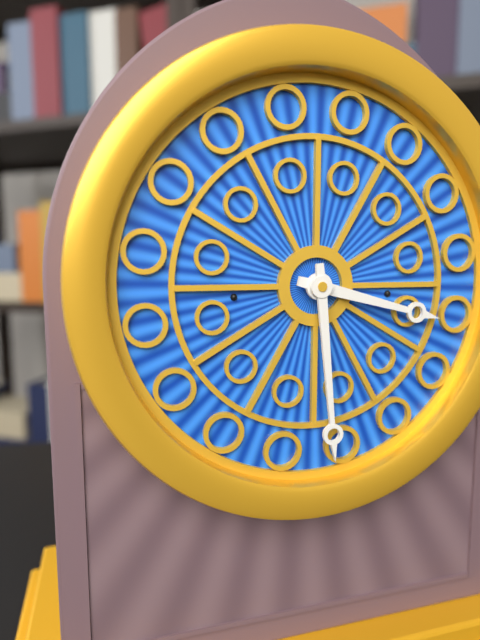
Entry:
h=3 m=29
